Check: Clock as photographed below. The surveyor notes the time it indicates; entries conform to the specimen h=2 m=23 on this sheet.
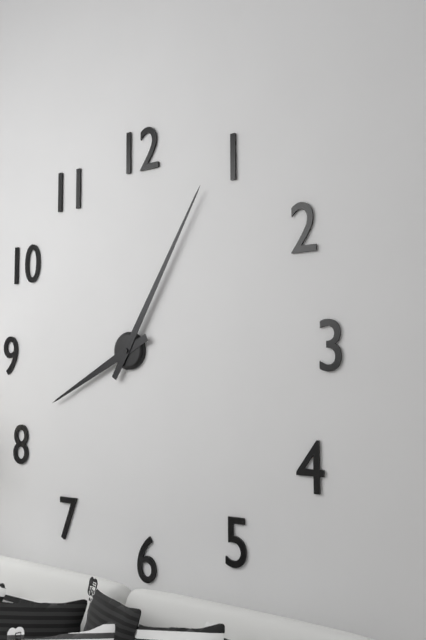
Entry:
h=8 m=5
